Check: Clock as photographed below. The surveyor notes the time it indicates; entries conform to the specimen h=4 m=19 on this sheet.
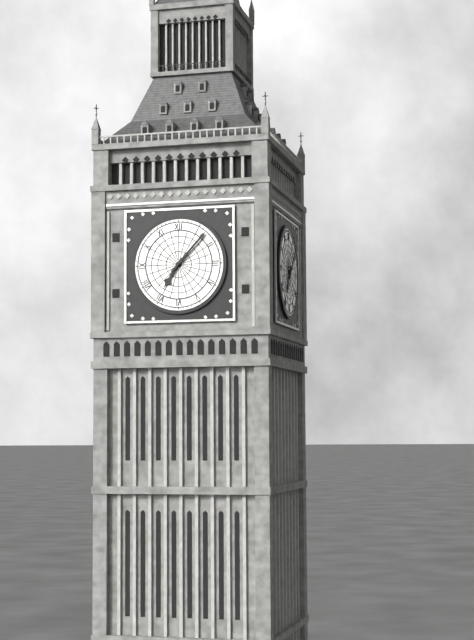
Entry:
h=7 m=7
